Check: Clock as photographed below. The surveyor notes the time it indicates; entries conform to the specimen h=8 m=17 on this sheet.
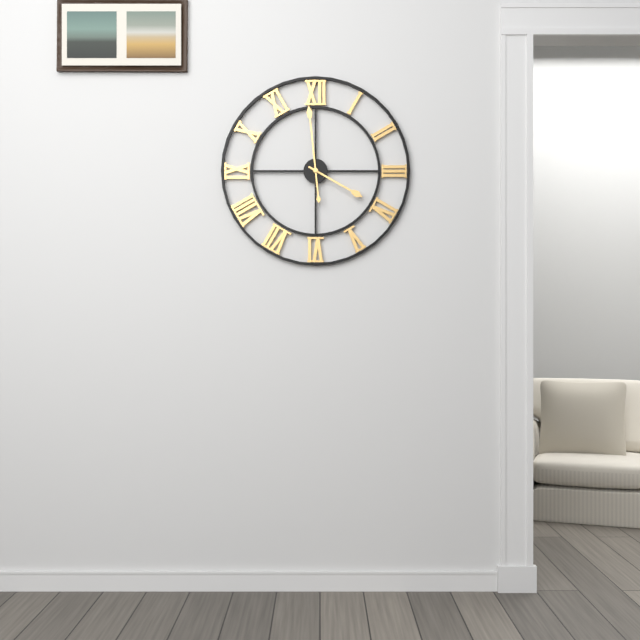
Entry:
h=3 m=59
